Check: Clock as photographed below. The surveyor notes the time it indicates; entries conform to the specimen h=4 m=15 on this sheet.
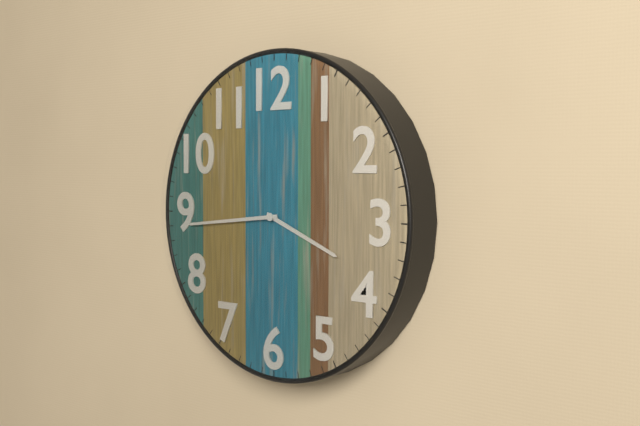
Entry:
h=3 m=44
